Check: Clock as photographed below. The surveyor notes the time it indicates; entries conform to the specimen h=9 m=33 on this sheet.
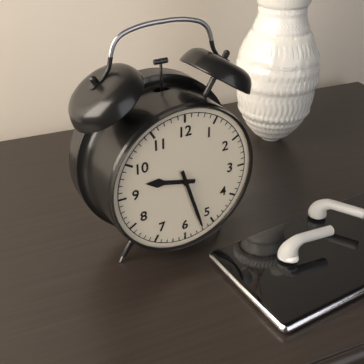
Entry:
h=9 m=27
